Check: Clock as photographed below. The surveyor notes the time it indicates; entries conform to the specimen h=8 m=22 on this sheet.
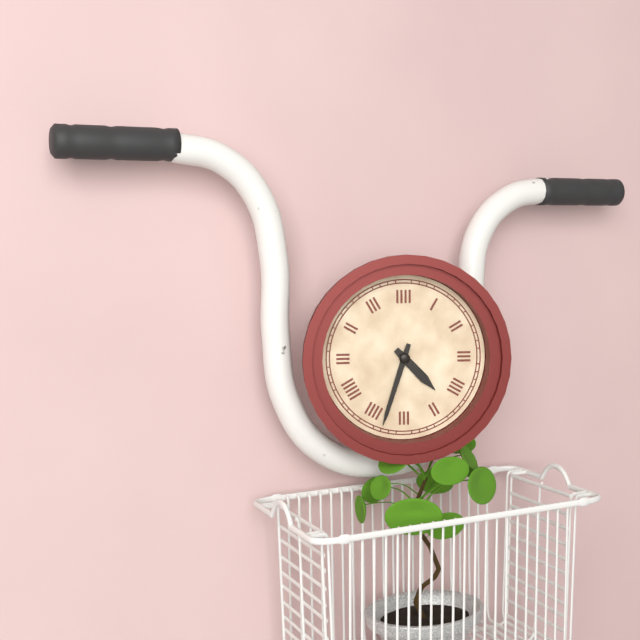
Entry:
h=4 m=33
